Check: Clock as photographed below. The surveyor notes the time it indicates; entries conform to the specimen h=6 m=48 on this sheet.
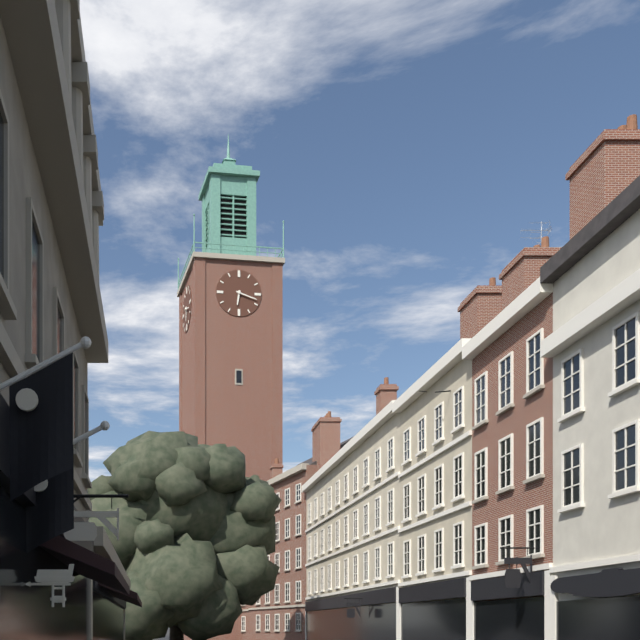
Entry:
h=6 m=18
